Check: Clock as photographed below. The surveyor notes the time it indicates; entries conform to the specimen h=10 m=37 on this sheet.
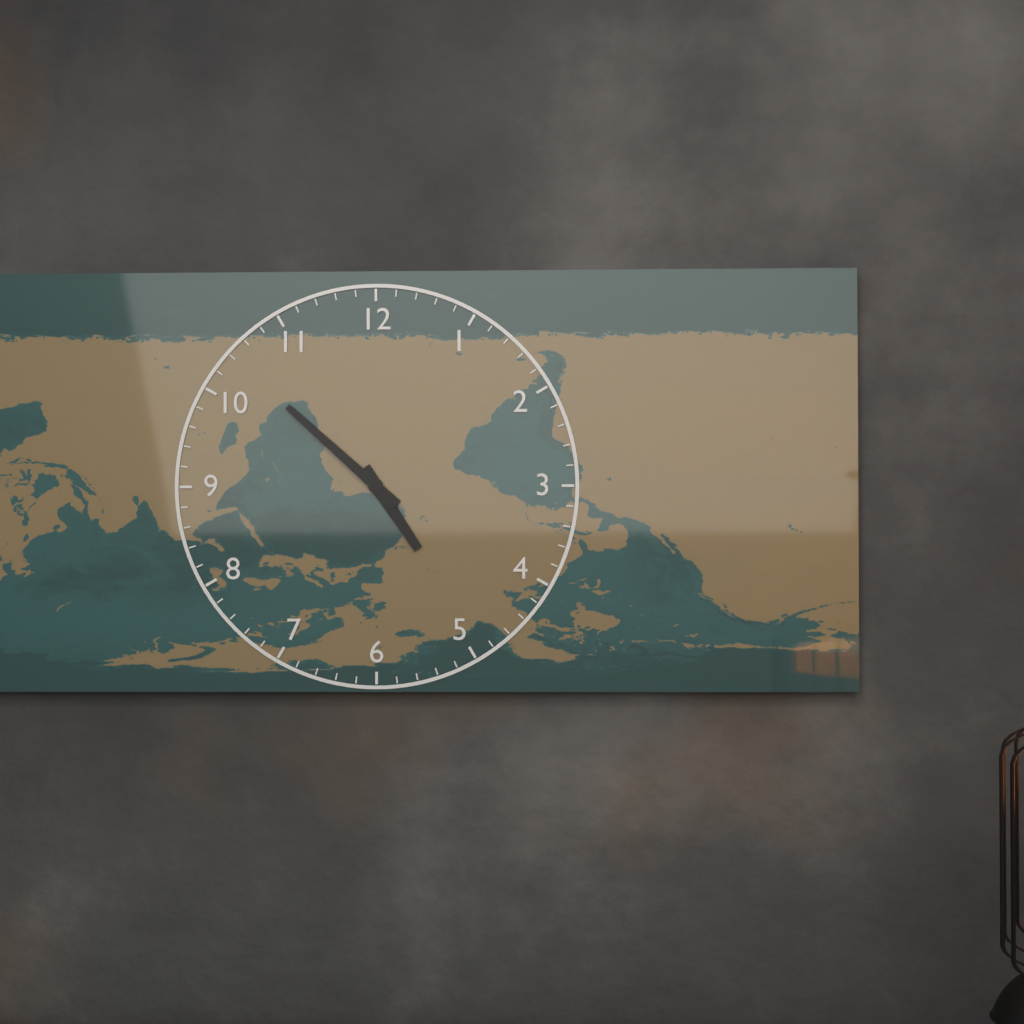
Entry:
h=4 m=52
